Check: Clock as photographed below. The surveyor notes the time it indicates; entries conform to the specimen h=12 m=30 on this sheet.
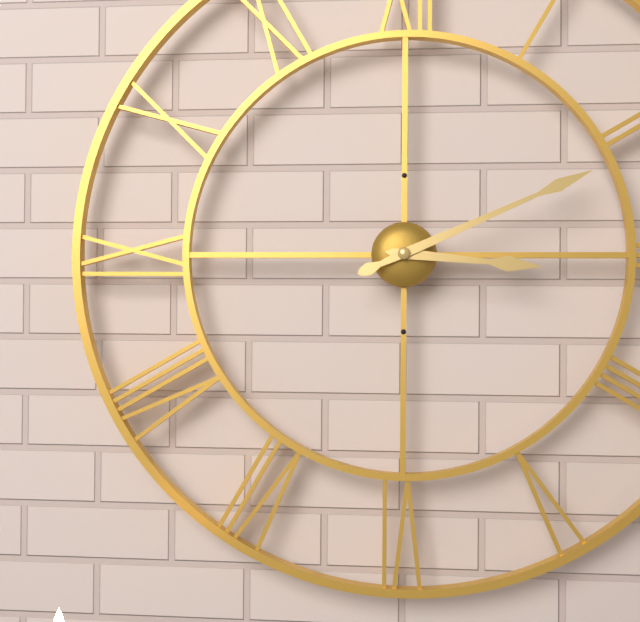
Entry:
h=3 m=11
